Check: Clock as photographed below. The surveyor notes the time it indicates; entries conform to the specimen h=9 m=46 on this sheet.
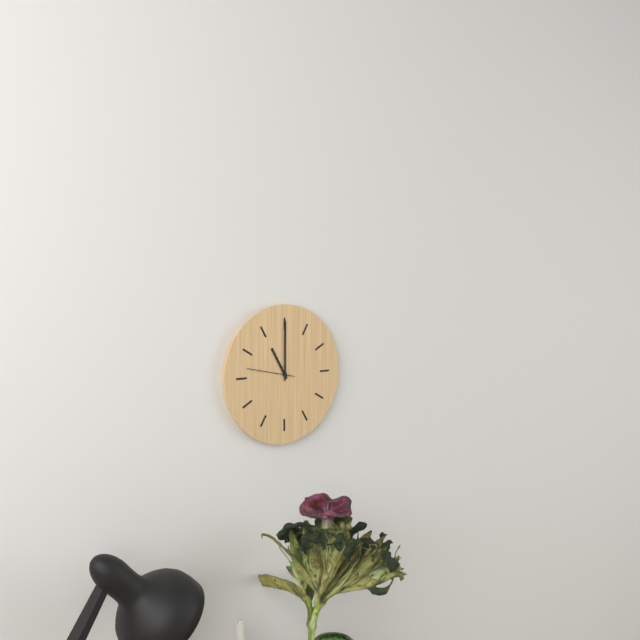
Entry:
h=11 m=0
